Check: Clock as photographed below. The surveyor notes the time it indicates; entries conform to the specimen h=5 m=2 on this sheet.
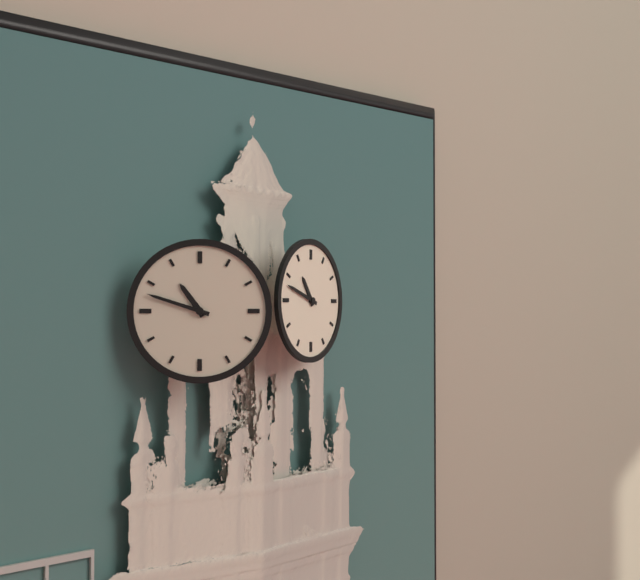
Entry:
h=10 m=48
